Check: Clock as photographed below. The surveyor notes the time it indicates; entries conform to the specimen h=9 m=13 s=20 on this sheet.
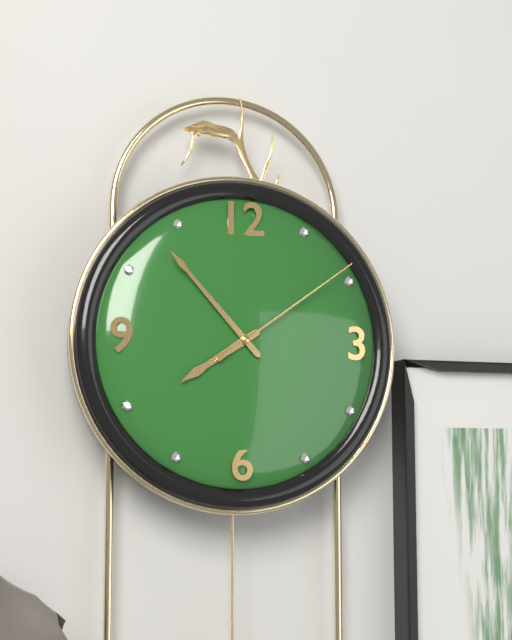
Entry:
h=7 m=53 s=9
